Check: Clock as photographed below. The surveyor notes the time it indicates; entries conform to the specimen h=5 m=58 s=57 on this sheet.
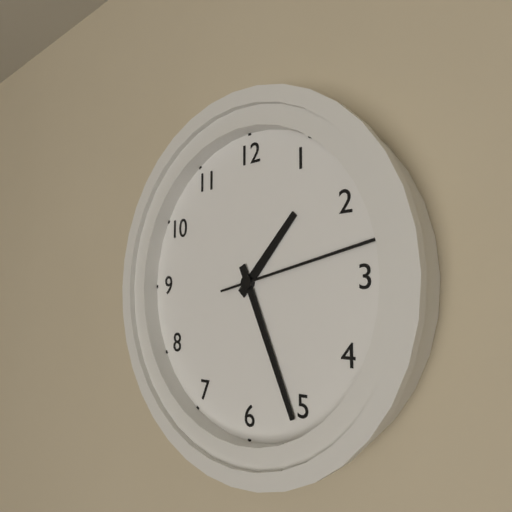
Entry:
h=1 m=26 s=13
